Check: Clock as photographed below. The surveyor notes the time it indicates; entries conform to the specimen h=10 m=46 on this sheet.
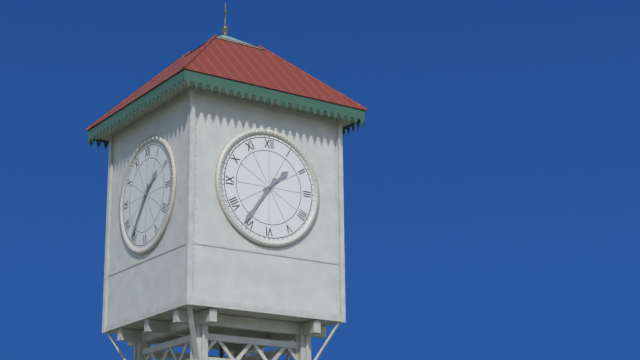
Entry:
h=1 m=36
